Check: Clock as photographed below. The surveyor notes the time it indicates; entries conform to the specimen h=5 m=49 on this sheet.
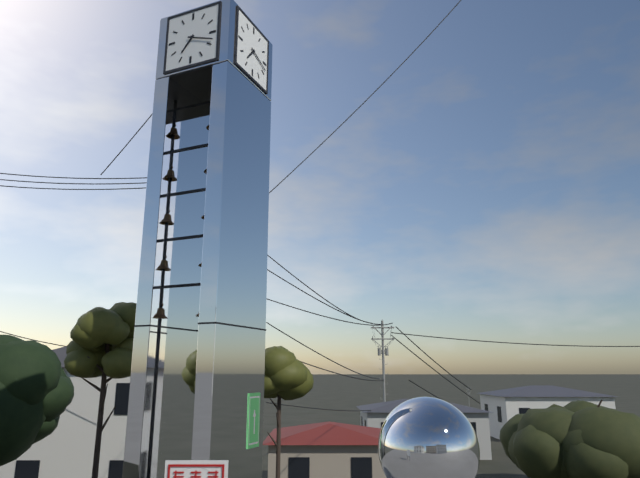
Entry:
h=7 m=18
